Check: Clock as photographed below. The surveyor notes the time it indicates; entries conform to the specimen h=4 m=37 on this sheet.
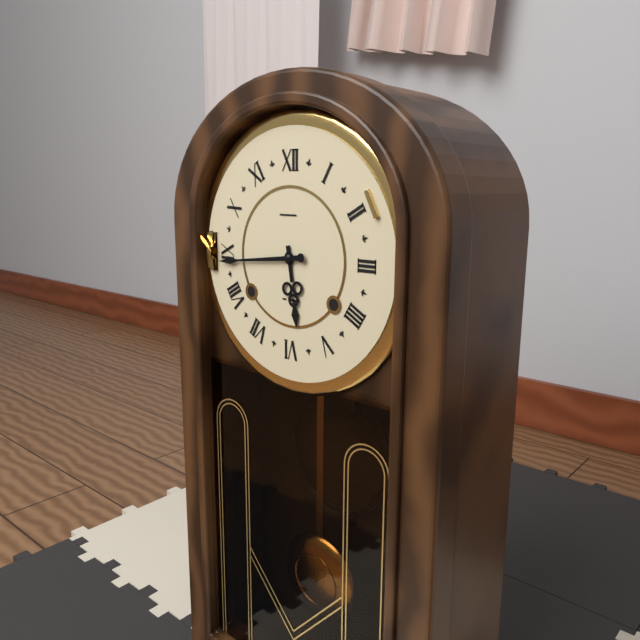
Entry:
h=5 m=44
